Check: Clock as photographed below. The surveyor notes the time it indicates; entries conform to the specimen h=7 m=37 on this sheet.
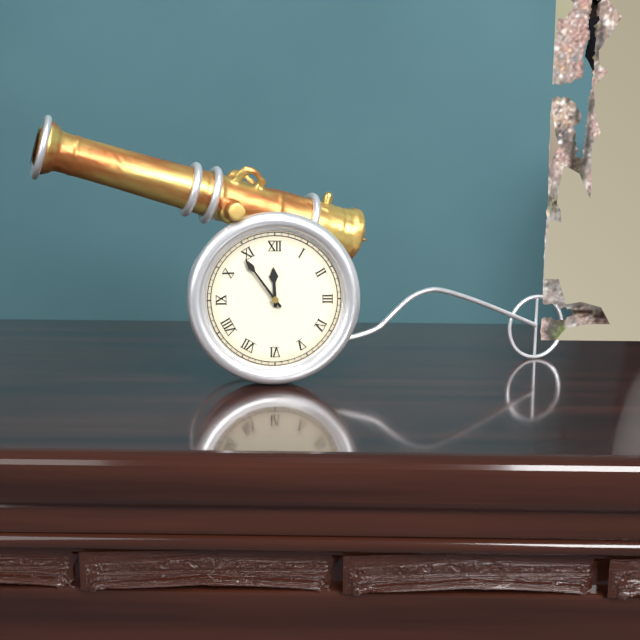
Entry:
h=11 m=54
